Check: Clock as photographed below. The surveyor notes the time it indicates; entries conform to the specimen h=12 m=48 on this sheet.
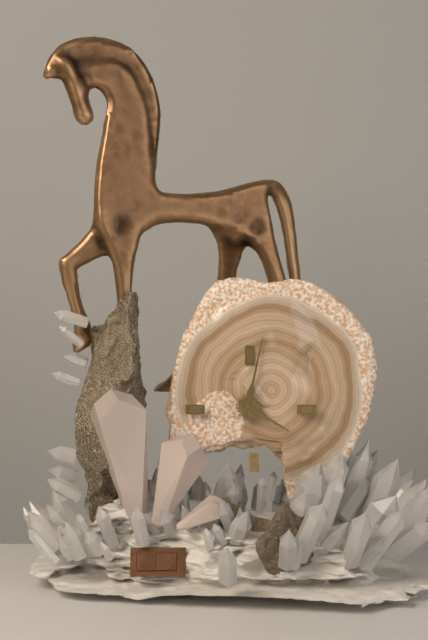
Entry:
h=4 m=2
